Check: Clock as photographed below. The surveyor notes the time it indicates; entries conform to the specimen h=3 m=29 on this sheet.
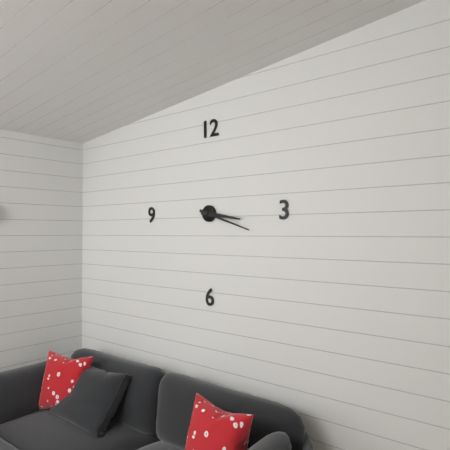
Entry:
h=3 m=18
